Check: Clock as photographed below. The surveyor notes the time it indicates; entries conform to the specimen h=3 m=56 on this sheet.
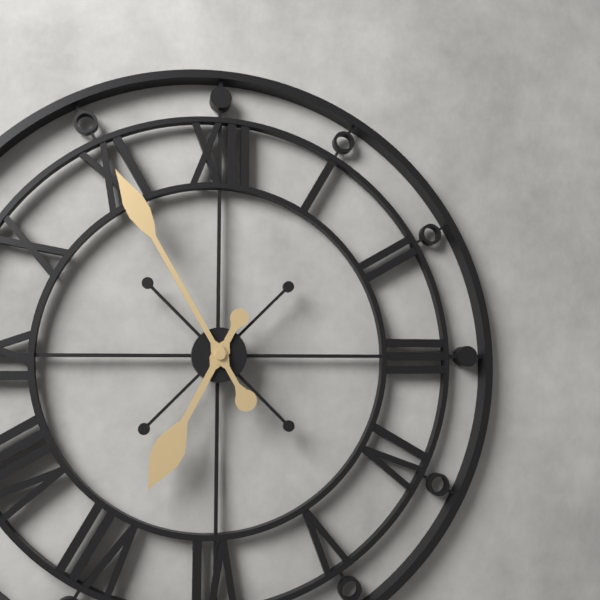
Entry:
h=6 m=55
